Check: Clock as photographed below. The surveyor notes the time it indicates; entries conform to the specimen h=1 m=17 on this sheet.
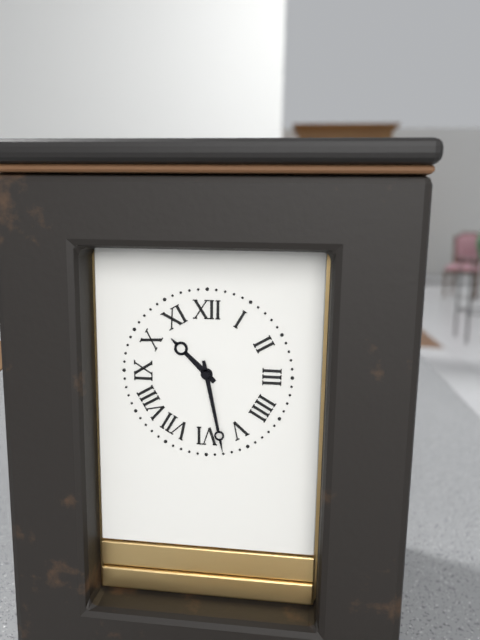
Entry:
h=10 m=28
